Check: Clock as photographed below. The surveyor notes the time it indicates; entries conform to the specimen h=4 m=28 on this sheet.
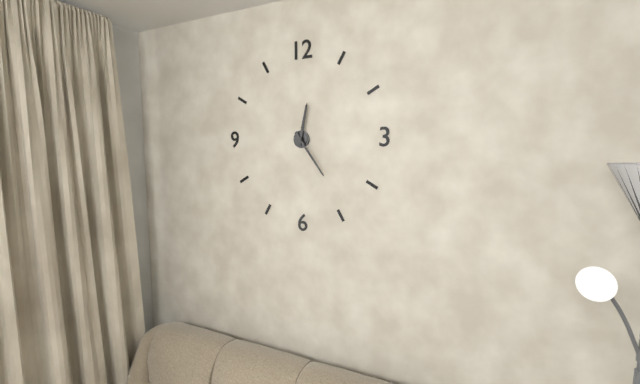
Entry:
h=12 m=24
